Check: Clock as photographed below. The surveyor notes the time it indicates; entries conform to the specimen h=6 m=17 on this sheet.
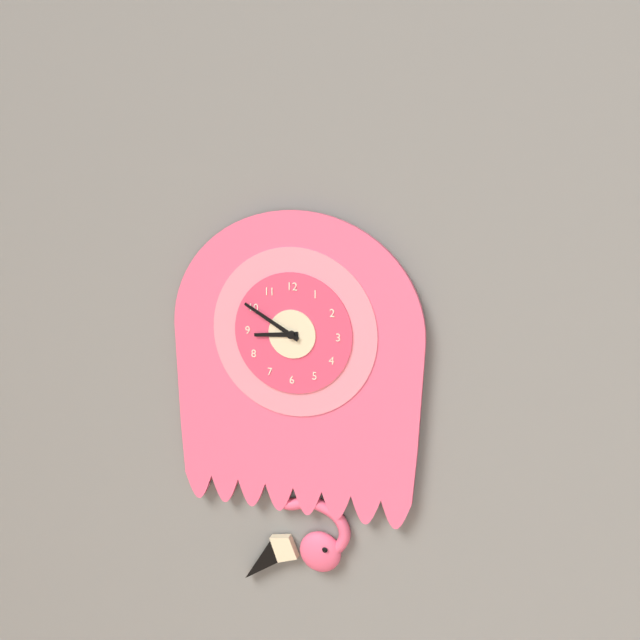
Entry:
h=8 m=50
